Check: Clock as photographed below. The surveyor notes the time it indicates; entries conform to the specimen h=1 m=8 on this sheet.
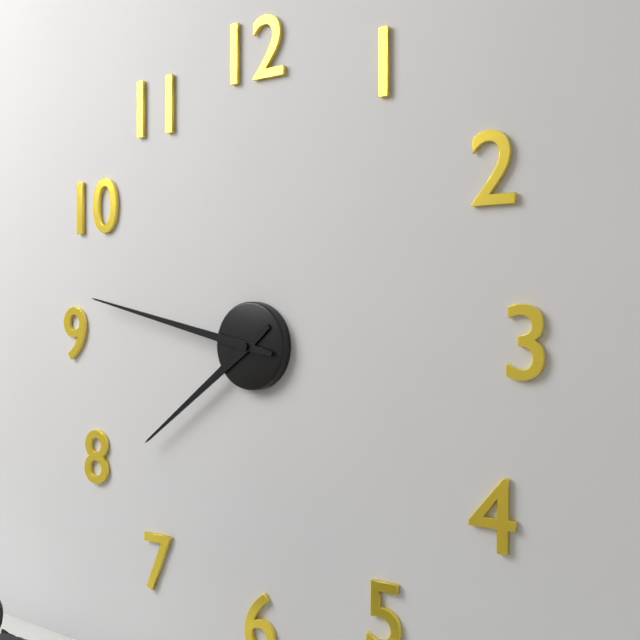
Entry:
h=7 m=47
